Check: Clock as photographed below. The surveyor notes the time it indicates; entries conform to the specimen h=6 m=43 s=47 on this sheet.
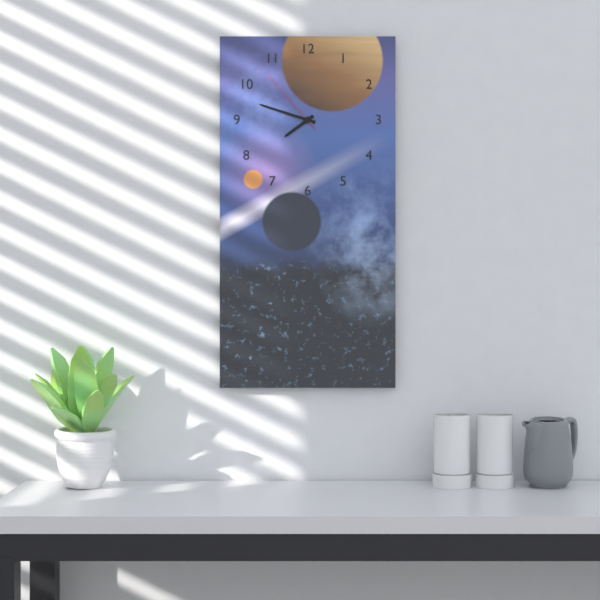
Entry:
h=7 m=48 s=53
